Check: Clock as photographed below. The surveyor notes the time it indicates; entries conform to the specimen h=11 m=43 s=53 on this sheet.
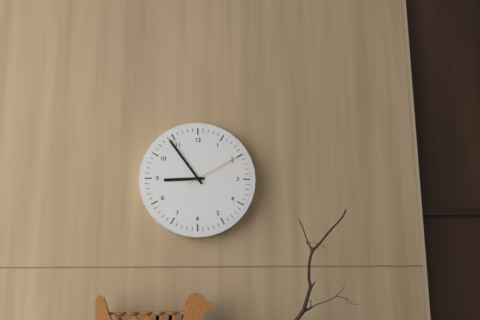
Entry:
h=8 m=54 s=10
